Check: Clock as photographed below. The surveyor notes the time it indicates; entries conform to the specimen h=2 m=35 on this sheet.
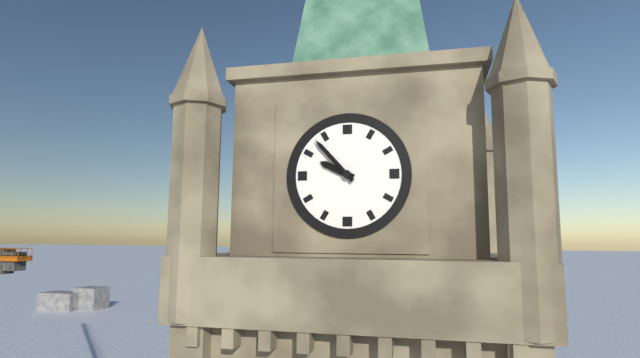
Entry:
h=9 m=53
